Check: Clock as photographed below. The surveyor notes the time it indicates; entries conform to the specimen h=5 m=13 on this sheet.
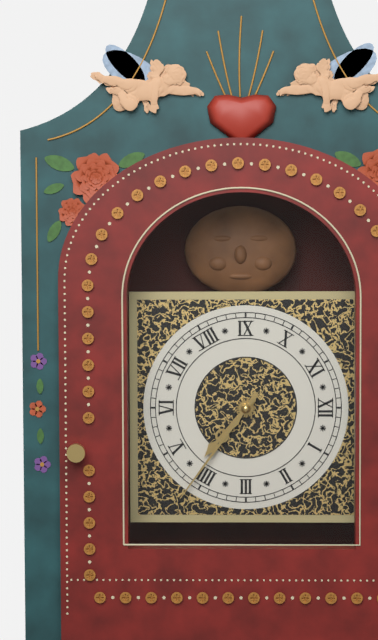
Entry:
h=4 m=21
